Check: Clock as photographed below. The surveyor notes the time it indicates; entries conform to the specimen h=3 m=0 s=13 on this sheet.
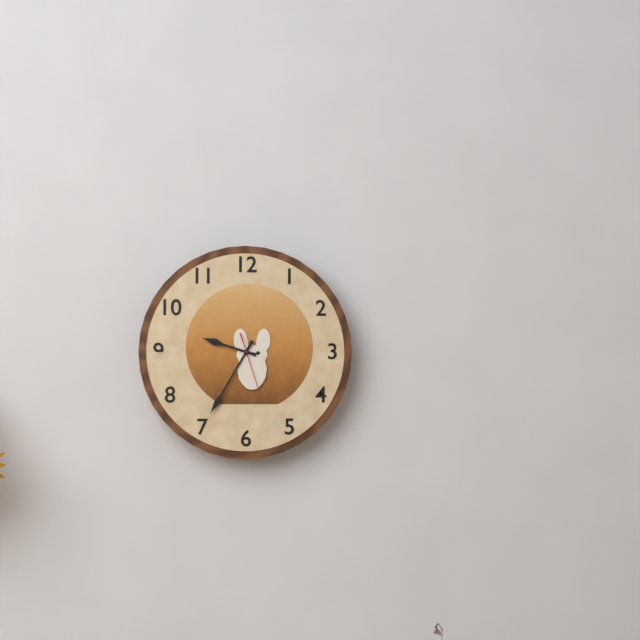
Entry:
h=9 m=35 s=27
